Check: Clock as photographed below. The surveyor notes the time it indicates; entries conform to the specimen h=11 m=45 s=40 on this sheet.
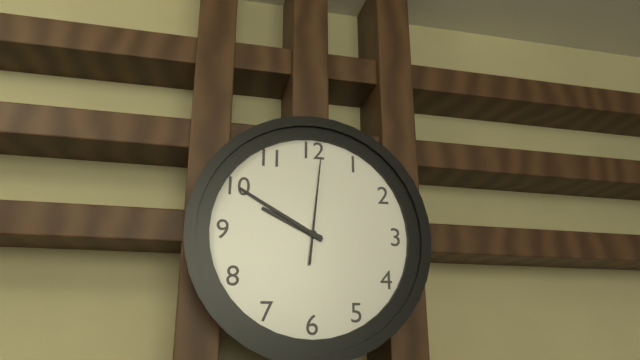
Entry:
h=9 m=50 s=1
